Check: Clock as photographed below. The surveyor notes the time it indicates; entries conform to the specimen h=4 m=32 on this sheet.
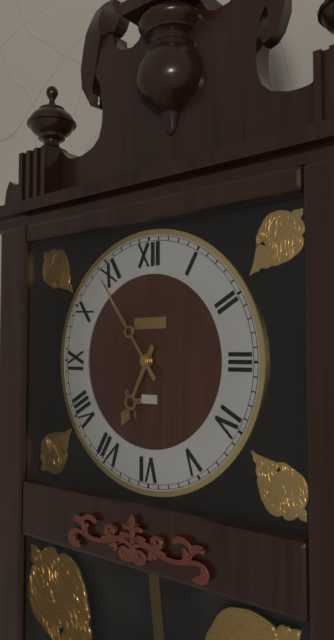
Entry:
h=6 m=54
